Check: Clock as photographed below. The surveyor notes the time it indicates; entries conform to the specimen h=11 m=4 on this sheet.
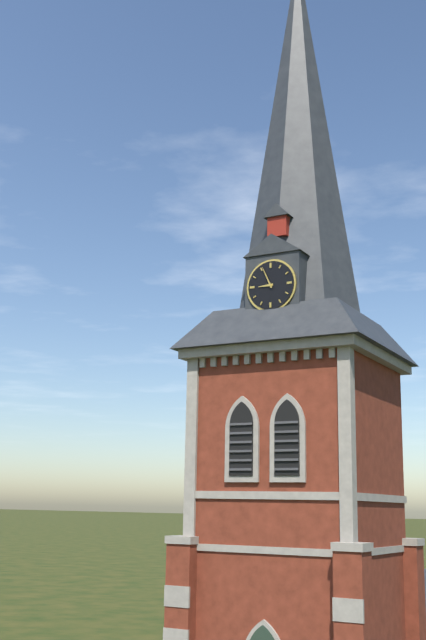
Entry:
h=8 m=56
